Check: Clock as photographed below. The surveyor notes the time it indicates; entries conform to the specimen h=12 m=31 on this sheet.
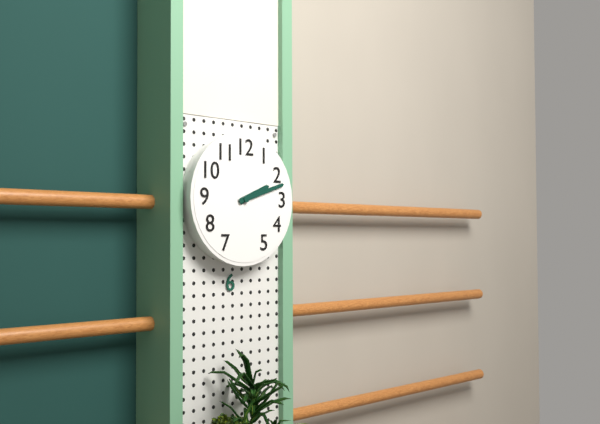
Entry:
h=2 m=12
